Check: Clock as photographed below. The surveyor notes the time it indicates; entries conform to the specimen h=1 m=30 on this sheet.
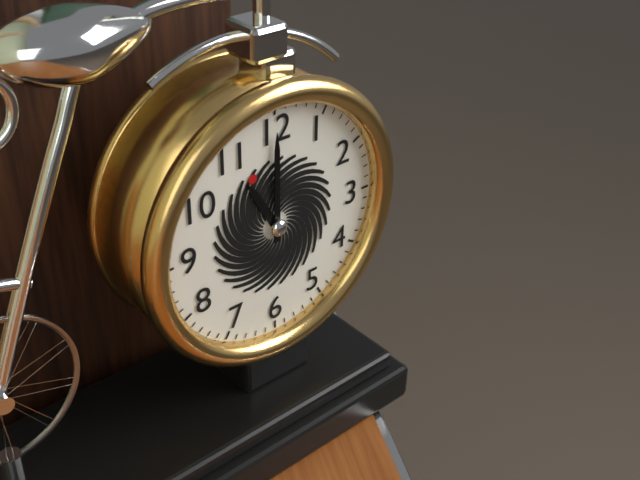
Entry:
h=11 m=0
